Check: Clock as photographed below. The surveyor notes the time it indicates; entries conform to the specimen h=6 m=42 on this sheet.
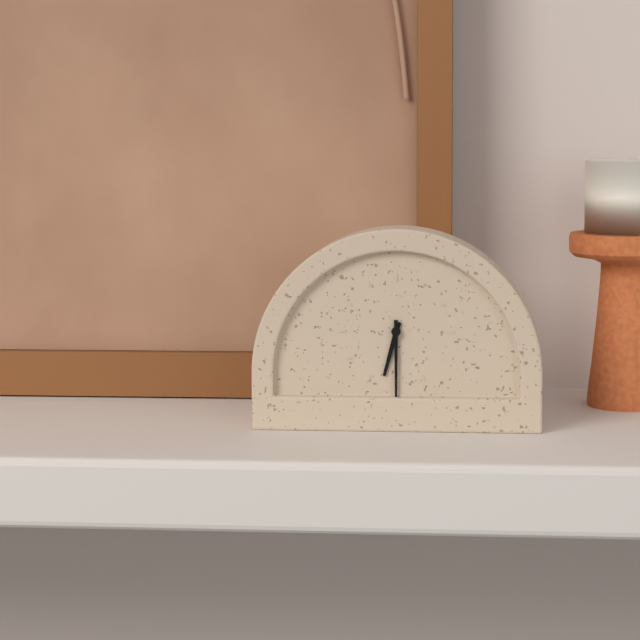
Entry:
h=6 m=30
